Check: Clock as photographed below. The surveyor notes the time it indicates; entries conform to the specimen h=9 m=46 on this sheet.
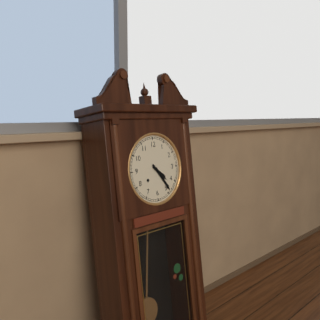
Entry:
h=4 m=24
